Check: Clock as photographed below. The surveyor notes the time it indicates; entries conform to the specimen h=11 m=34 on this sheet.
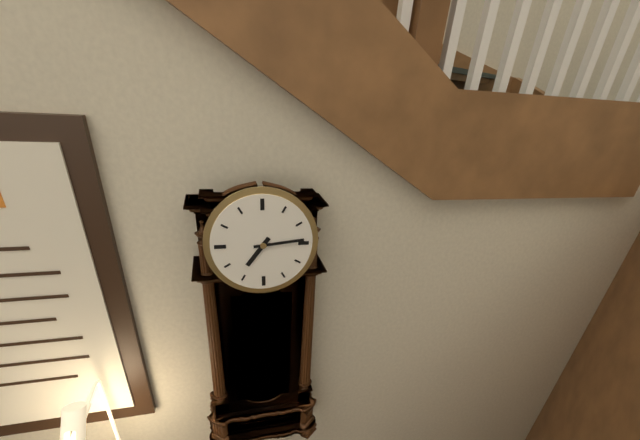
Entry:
h=7 m=14
